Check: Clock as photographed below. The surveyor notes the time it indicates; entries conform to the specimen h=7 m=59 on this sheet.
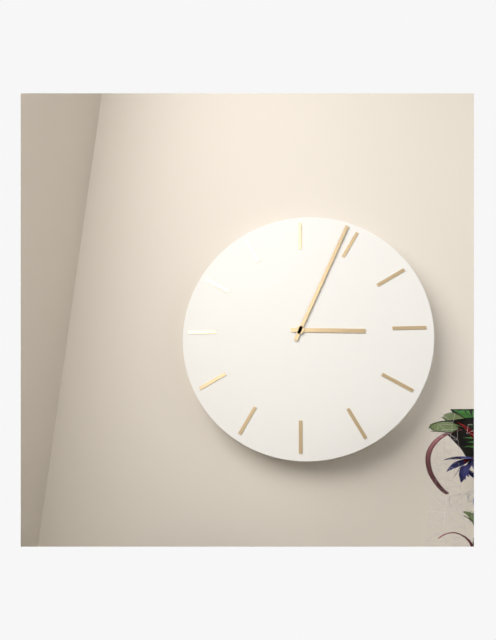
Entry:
h=3 m=4
